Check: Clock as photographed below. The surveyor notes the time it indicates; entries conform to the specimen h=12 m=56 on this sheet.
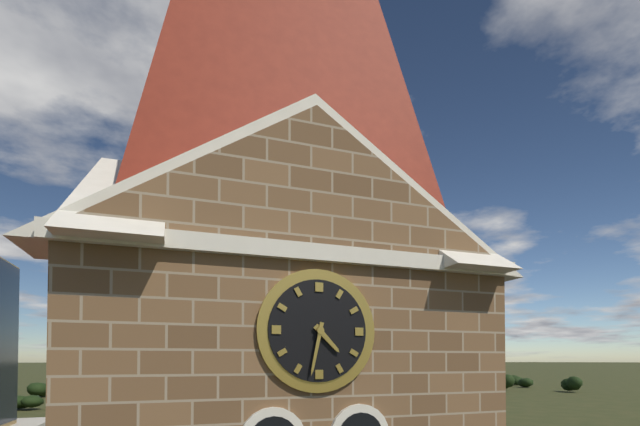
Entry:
h=4 m=32
